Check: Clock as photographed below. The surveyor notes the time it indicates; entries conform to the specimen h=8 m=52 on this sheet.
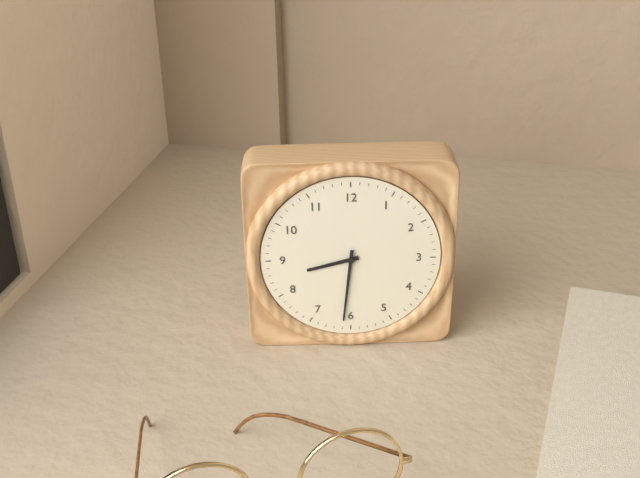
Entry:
h=8 m=31
